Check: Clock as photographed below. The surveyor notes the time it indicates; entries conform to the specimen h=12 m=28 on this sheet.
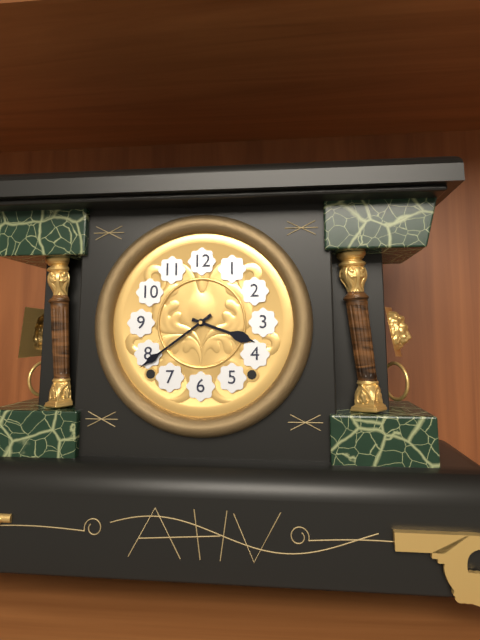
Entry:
h=3 m=39
